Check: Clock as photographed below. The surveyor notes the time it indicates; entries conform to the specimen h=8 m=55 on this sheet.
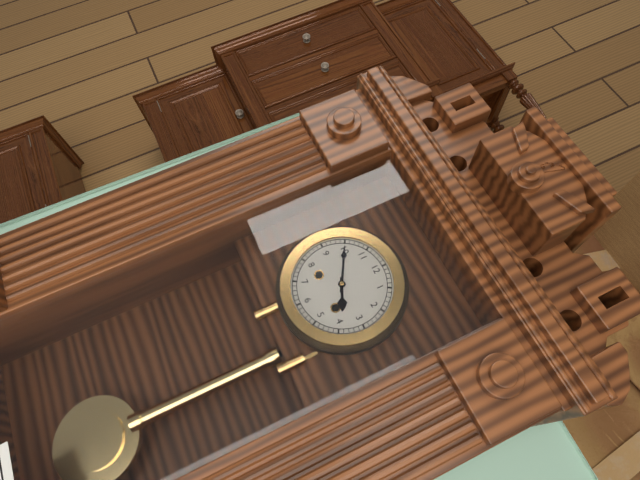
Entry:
h=3 m=50
